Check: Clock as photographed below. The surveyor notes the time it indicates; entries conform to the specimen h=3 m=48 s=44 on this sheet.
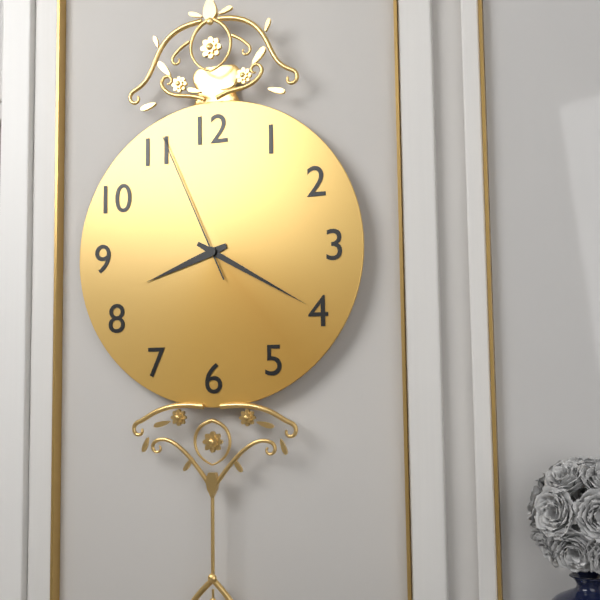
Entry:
h=8 m=20 s=56
